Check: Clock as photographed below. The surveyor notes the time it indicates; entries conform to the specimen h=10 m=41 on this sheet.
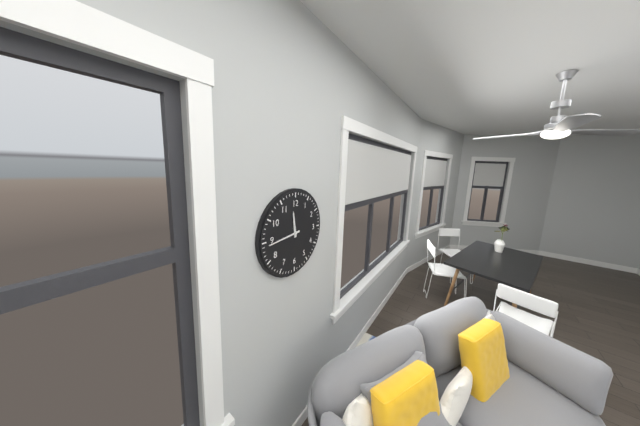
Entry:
h=11 m=44
